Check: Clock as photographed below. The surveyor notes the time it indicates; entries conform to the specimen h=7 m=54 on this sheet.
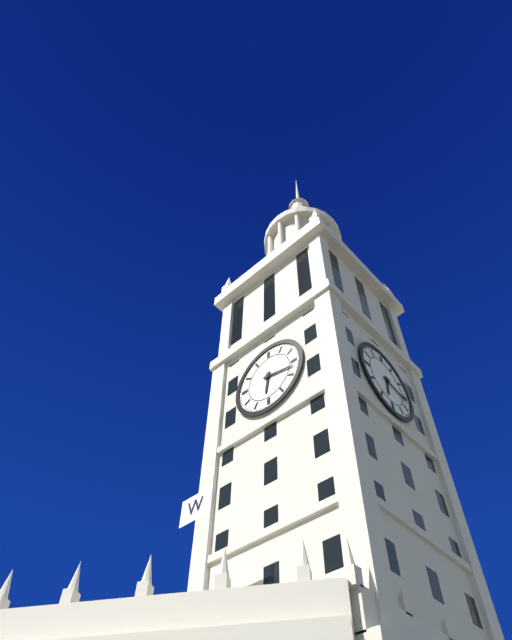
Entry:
h=6 m=17
